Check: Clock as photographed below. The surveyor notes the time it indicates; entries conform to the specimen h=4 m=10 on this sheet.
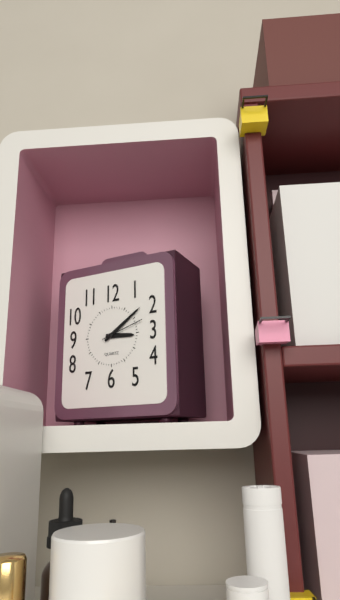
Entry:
h=3 m=9
